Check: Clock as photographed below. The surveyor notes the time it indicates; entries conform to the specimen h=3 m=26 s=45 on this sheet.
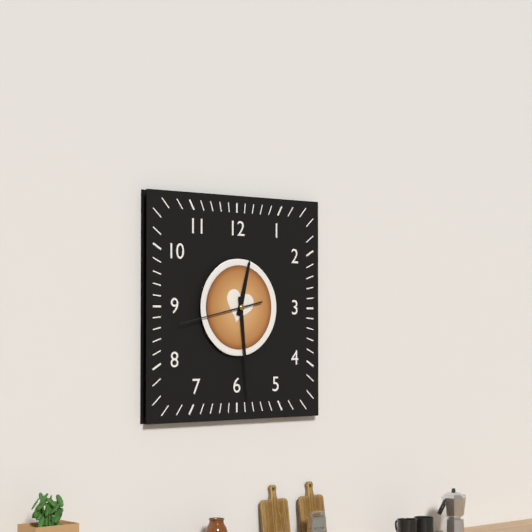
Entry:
h=12 m=29 s=43
